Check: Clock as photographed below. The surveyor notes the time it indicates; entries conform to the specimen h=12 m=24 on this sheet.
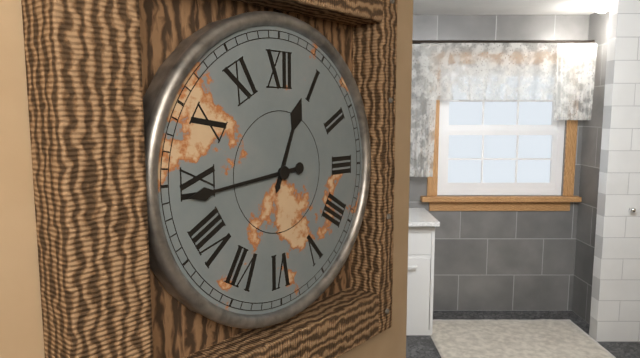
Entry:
h=12 m=44
